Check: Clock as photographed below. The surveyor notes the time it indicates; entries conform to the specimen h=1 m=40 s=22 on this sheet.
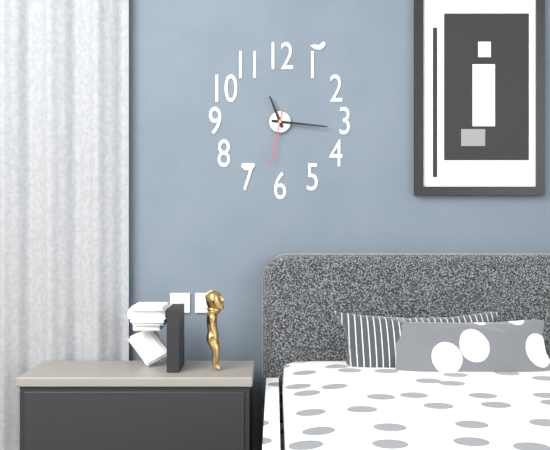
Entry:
h=11 m=16 s=32
